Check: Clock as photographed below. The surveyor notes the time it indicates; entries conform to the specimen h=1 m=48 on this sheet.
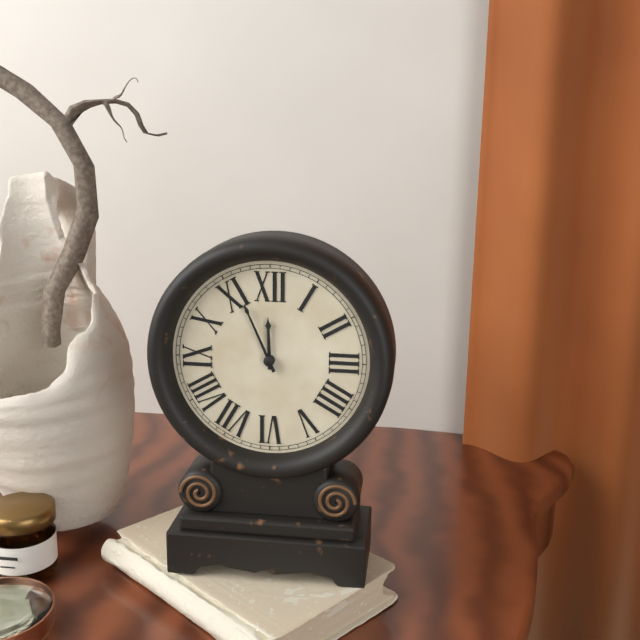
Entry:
h=11 m=56
